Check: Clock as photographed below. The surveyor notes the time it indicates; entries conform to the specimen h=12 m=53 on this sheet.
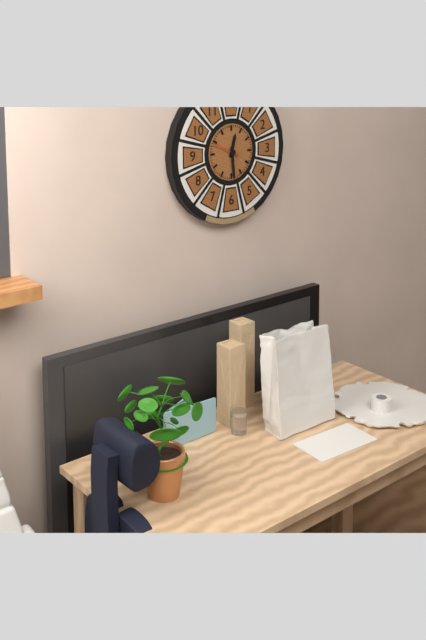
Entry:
h=12 m=29
